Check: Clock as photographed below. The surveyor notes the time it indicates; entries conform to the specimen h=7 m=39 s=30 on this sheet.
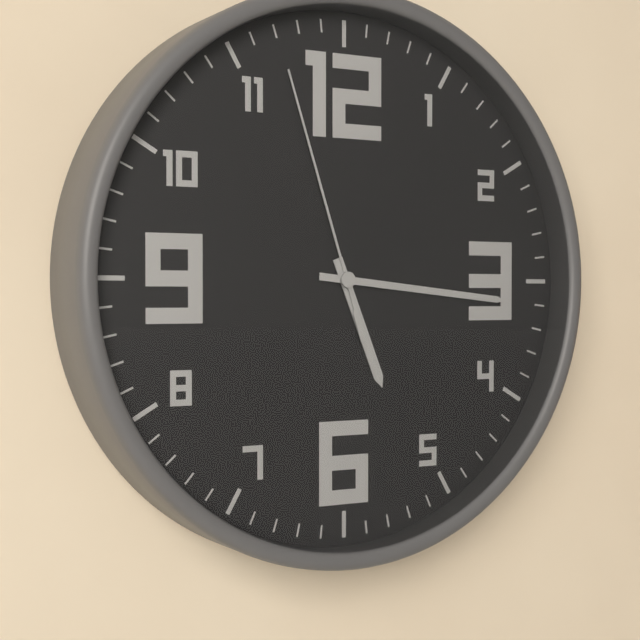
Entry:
h=5 m=16 s=57
